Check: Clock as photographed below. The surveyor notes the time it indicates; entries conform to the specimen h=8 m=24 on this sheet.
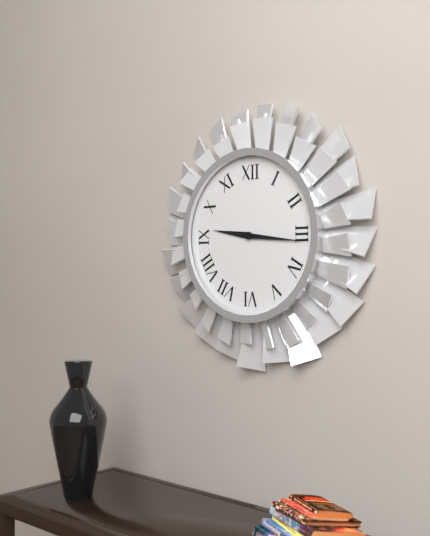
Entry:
h=9 m=16
